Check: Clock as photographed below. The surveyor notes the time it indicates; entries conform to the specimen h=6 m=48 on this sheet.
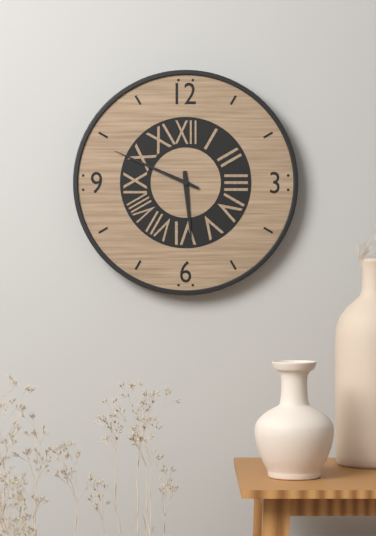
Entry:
h=5 m=49
